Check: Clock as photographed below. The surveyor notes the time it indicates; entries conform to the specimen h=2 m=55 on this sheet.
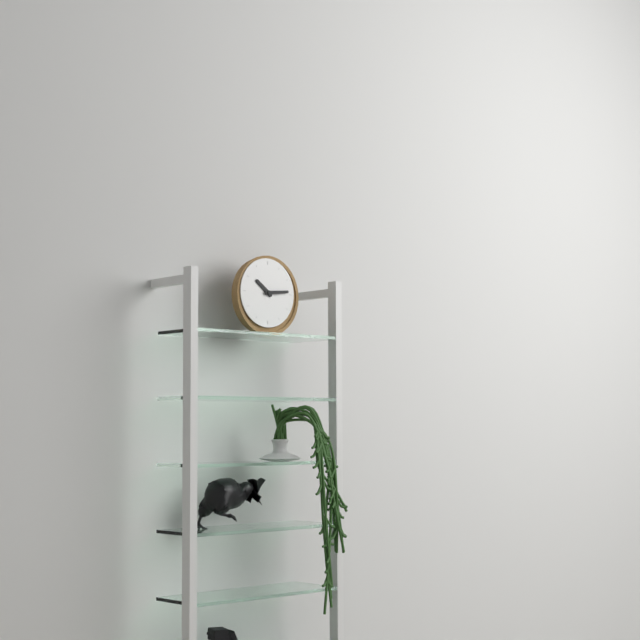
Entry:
h=10 m=14
